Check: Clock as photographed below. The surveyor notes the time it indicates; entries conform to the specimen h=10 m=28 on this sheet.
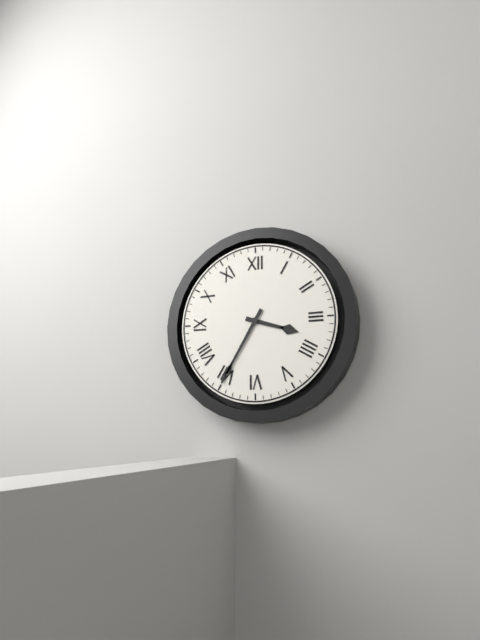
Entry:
h=3 m=35
